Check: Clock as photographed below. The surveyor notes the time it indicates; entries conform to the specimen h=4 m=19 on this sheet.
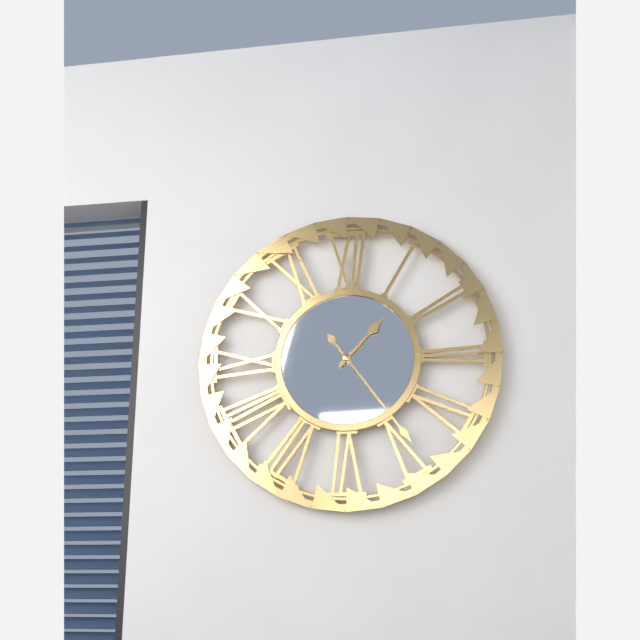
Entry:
h=1 m=24
